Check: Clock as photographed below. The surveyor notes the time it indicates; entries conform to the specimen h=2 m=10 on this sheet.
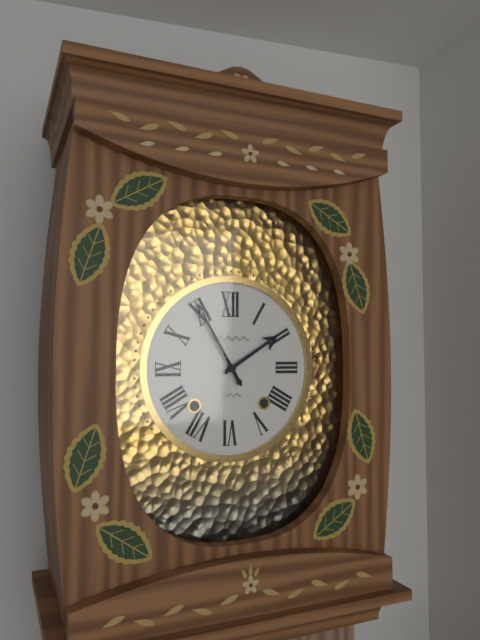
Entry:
h=1 m=55
